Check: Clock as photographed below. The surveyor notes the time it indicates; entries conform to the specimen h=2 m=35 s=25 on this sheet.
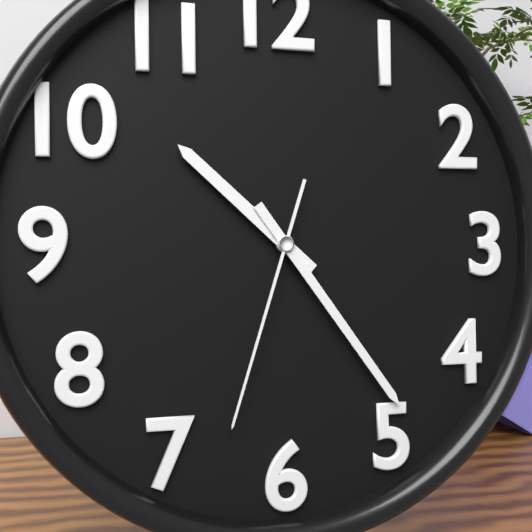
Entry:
h=10 m=24 s=33
